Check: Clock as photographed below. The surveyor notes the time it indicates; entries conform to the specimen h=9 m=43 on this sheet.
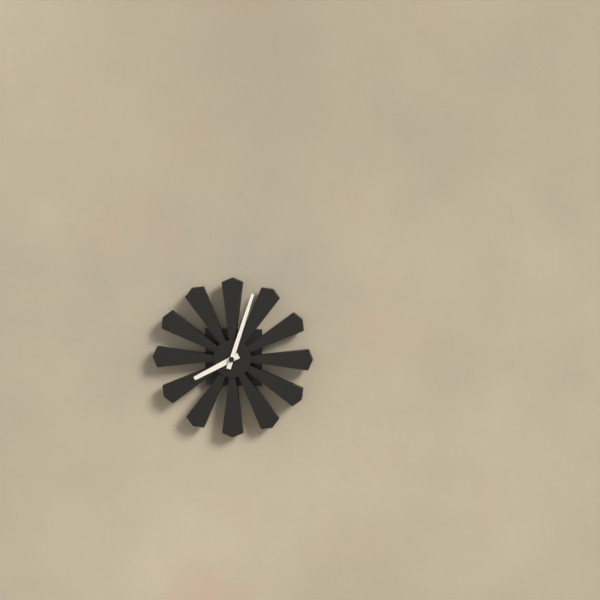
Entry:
h=8 m=3
